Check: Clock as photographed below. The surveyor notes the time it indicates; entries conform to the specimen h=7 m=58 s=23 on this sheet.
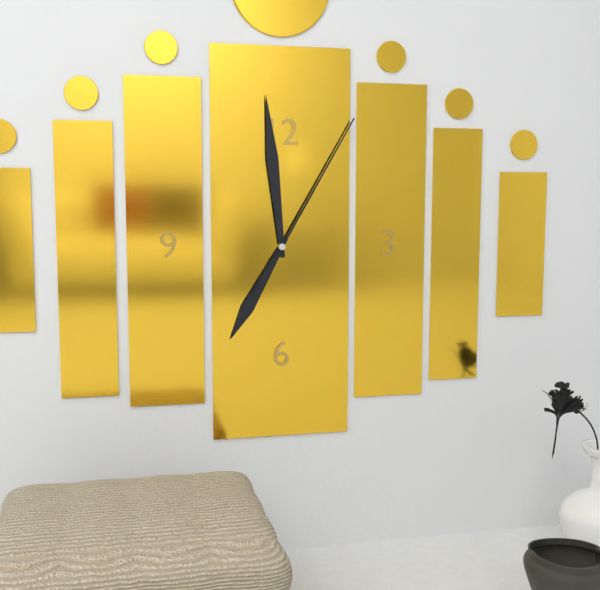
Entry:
h=6 m=59 s=5
